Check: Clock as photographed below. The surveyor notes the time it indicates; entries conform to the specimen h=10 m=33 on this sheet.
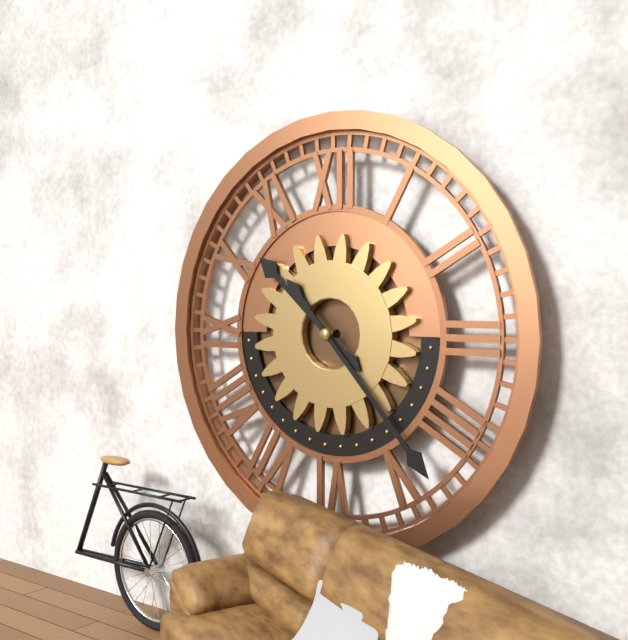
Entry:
h=10 m=23
